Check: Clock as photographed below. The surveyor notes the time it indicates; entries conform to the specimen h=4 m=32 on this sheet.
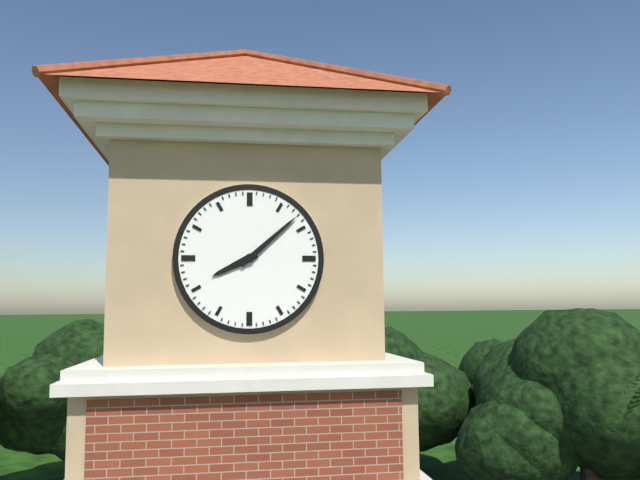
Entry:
h=8 m=8
